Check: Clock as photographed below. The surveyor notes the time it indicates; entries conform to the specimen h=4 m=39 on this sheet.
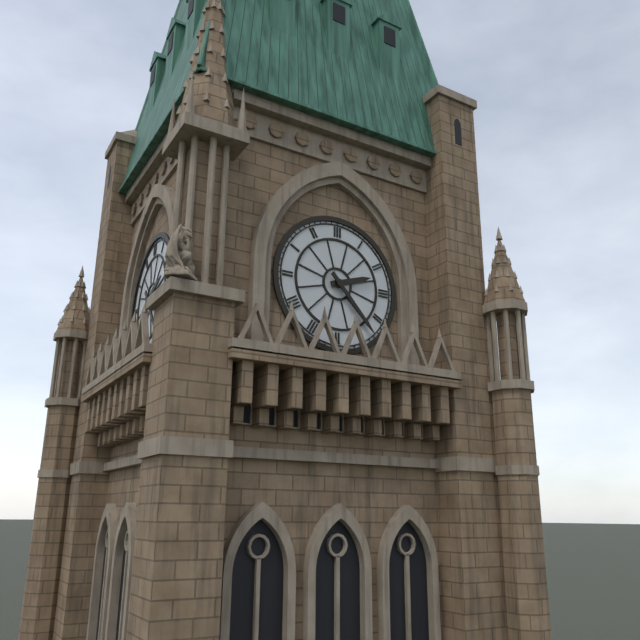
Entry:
h=2 m=23
